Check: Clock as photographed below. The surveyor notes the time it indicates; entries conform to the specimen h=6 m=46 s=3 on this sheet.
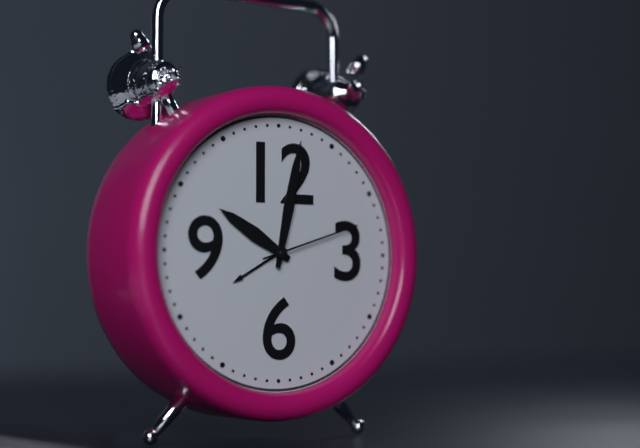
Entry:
h=10 m=2 s=12
